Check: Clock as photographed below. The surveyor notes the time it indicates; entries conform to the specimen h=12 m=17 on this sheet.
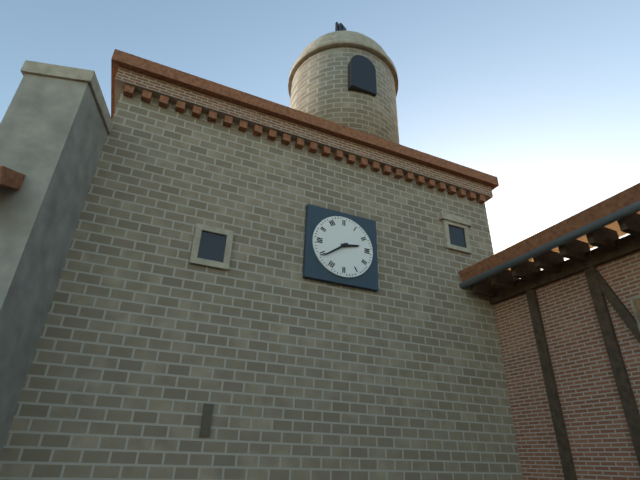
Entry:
h=2 m=39
